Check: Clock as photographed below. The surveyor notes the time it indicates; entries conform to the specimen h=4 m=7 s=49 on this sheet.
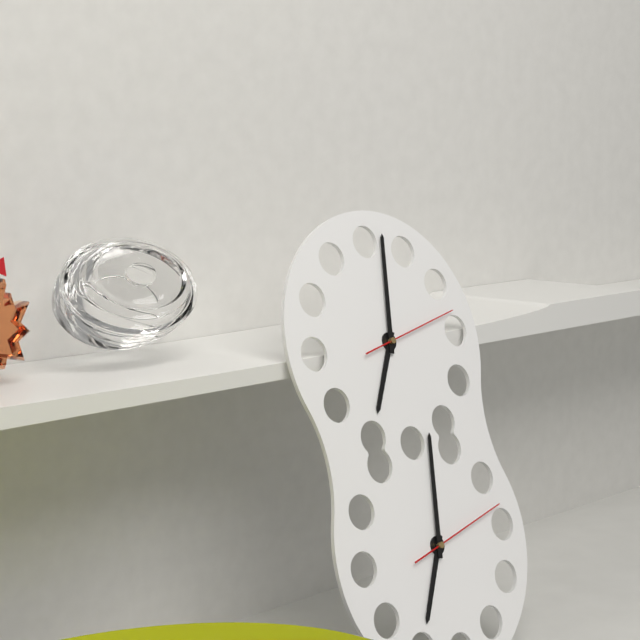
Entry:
h=7 m=2 s=13
